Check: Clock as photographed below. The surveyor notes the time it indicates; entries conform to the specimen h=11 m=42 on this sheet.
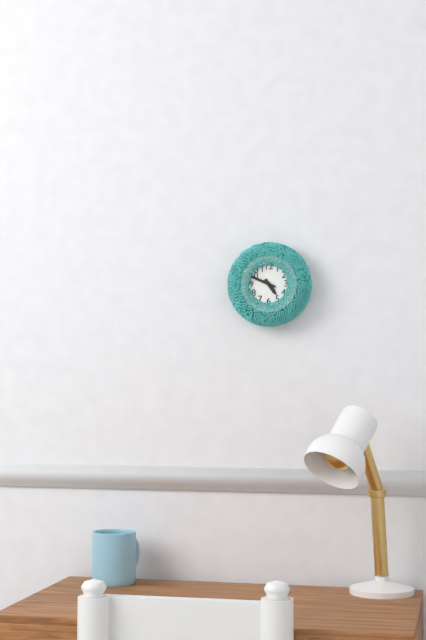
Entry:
h=4 m=49
